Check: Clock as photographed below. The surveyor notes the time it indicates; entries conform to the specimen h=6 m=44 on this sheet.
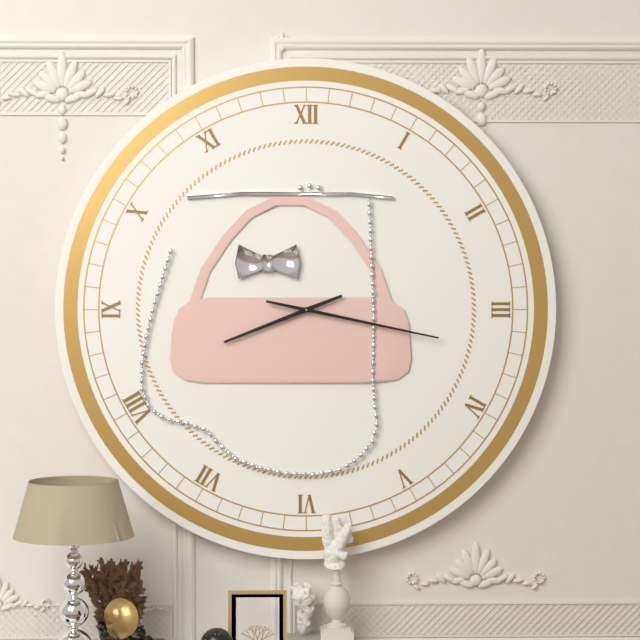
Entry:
h=8 m=17
